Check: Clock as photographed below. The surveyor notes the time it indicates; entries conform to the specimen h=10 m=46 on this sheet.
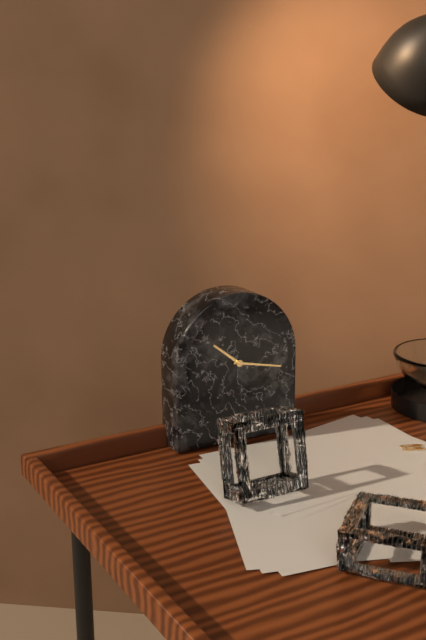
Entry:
h=10 m=17
